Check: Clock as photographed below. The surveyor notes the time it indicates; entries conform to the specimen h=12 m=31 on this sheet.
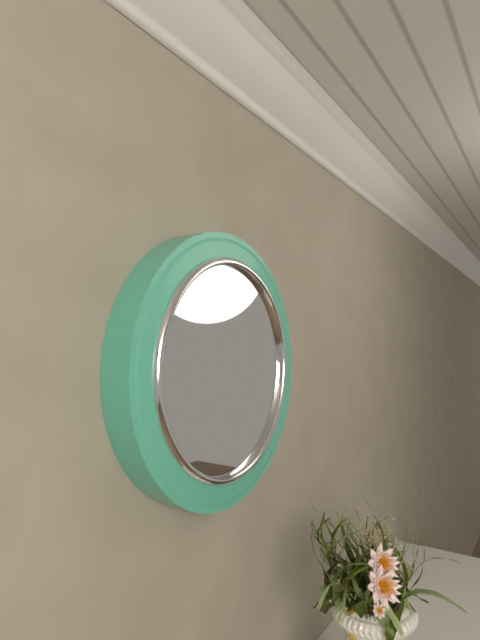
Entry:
h=8 m=20
